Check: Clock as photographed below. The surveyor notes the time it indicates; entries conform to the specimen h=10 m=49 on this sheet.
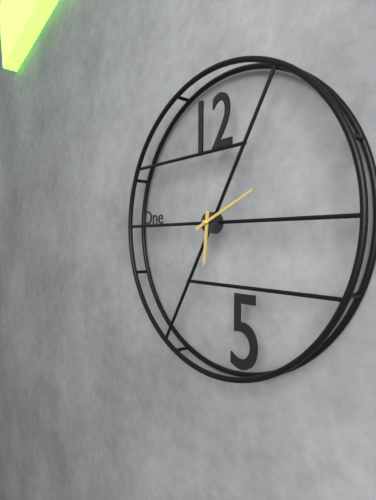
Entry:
h=6 m=11
